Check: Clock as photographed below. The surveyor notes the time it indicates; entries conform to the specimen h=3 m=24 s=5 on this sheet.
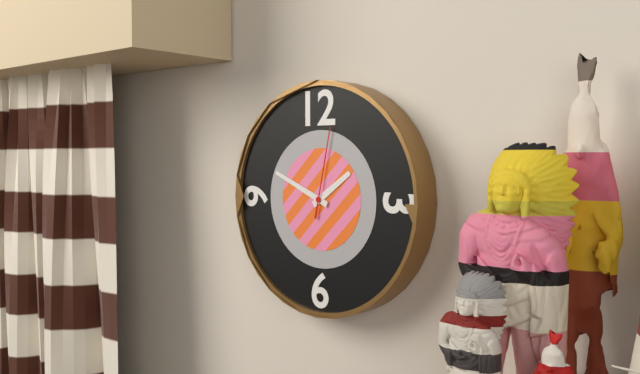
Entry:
h=1 m=49 s=2
